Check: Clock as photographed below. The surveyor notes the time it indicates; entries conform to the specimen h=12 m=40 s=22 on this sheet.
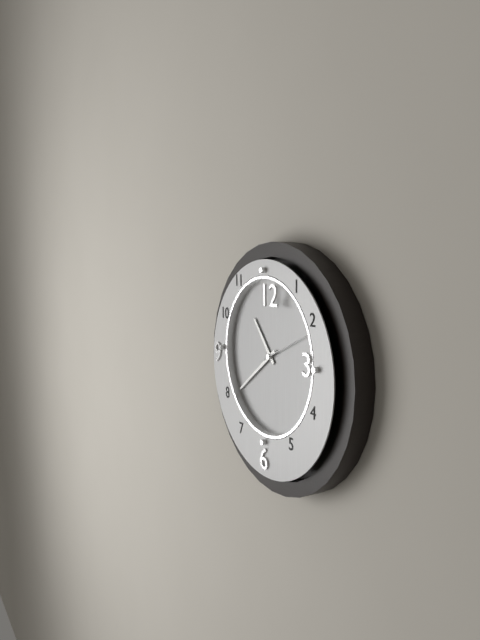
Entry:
h=10 m=39 s=11
